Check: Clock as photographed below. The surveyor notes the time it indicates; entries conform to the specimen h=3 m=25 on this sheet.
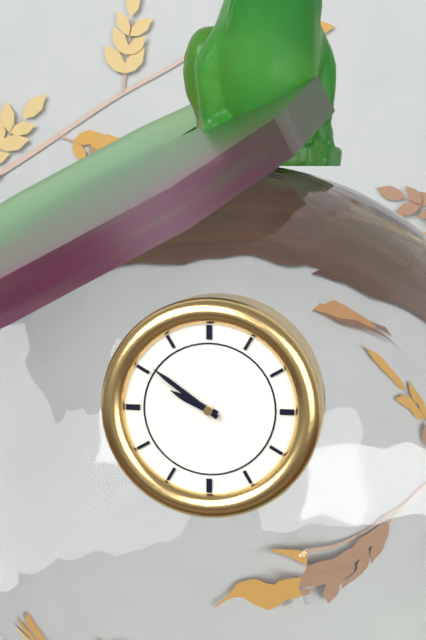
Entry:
h=9 m=51
